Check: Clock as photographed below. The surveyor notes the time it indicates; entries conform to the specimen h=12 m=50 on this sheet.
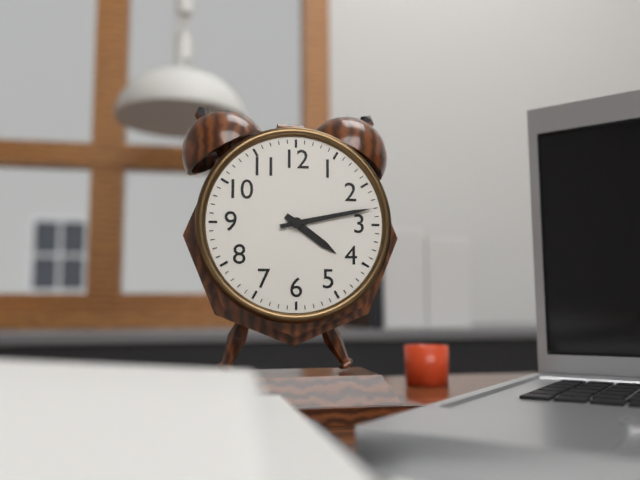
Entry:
h=4 m=13
